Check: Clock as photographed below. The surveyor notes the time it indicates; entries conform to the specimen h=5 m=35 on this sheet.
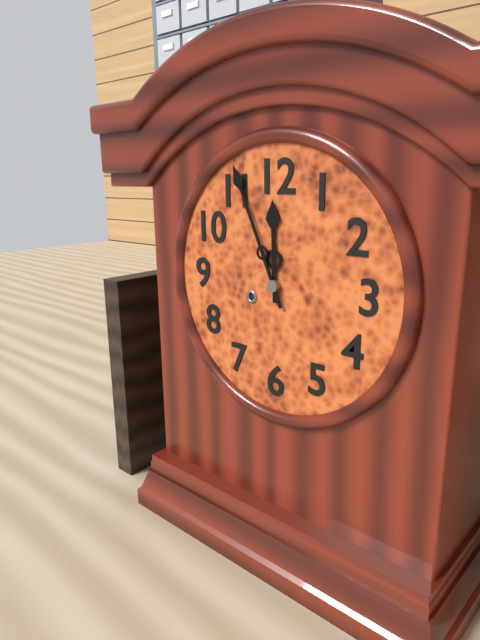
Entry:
h=11 m=56
